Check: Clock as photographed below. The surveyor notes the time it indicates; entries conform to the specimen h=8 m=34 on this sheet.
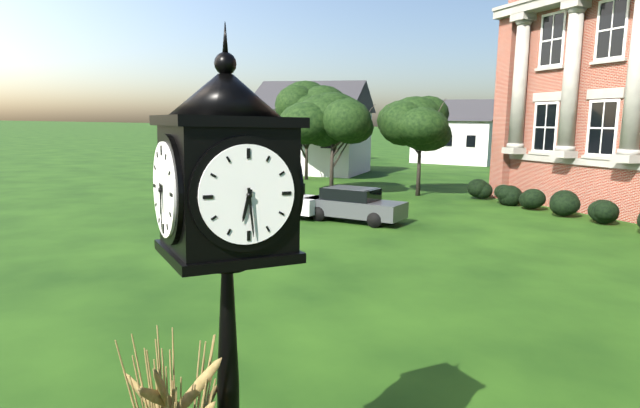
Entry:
h=6 m=29
